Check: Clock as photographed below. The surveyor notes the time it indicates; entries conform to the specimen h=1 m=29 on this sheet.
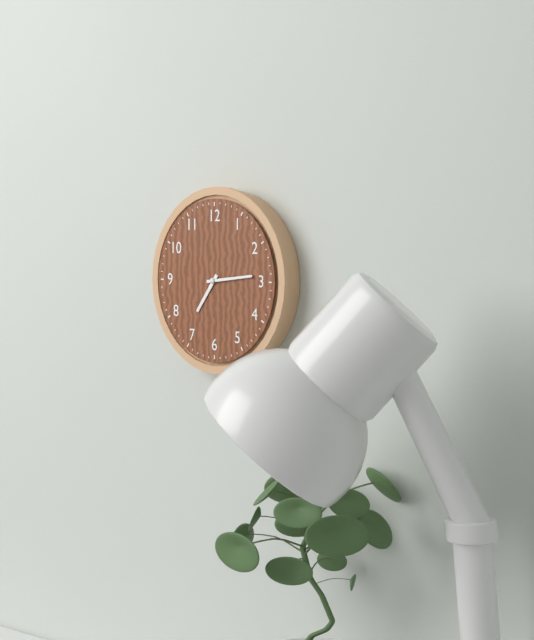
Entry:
h=7 m=14
